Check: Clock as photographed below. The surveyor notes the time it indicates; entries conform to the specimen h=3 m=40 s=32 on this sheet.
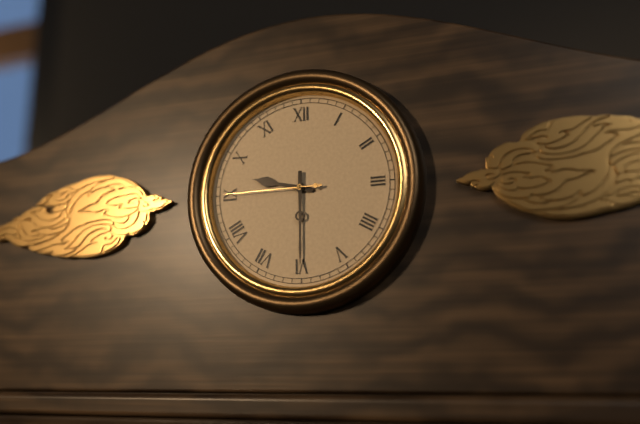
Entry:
h=9 m=30 s=45
